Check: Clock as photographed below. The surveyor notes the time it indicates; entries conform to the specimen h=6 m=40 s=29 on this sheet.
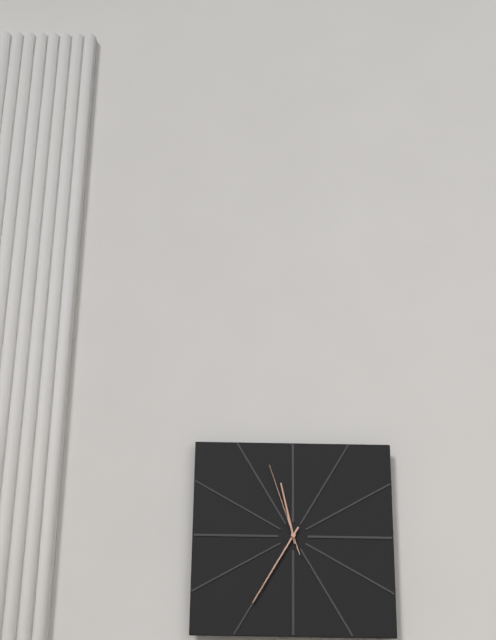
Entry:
h=11 m=35 s=57
